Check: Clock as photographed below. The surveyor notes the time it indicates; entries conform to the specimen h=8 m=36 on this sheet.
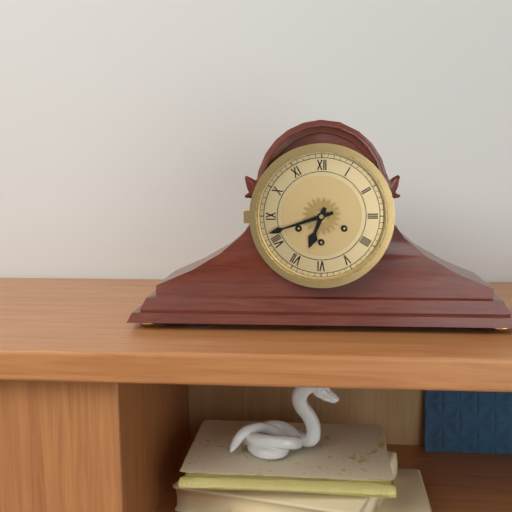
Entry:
h=6 m=42
